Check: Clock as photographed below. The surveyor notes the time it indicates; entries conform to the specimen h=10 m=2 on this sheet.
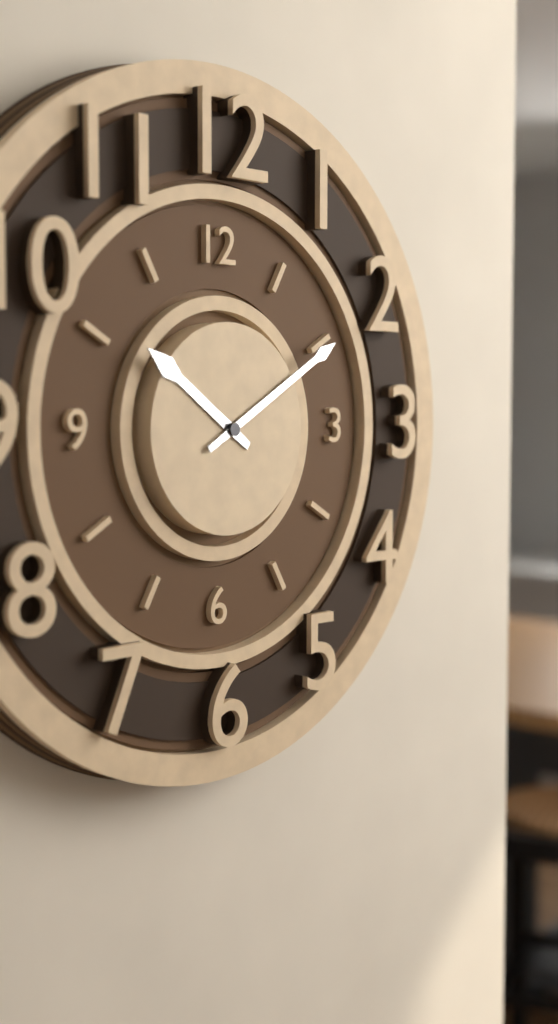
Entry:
h=10 m=10
